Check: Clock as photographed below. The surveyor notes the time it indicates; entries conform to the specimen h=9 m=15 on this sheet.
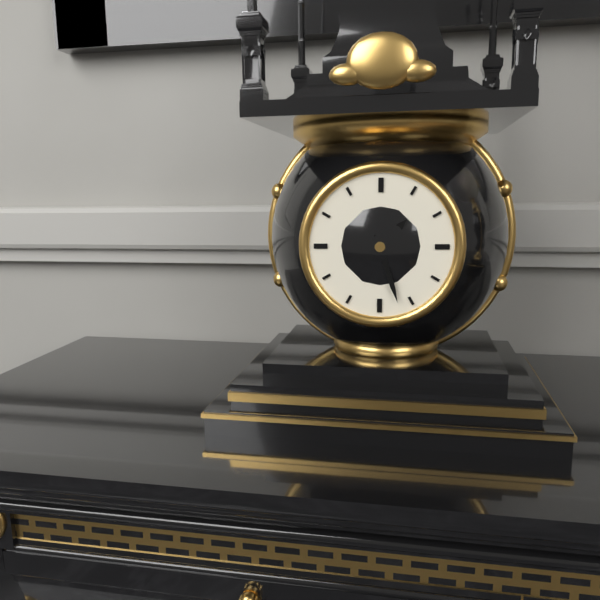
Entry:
h=1 m=27
